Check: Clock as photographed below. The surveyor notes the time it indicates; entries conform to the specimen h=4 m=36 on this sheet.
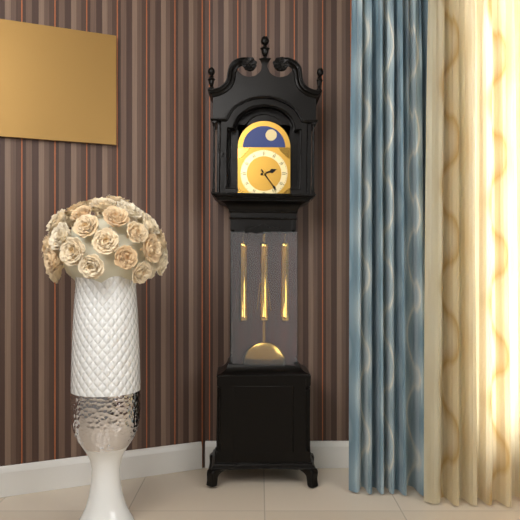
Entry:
h=2 m=24
